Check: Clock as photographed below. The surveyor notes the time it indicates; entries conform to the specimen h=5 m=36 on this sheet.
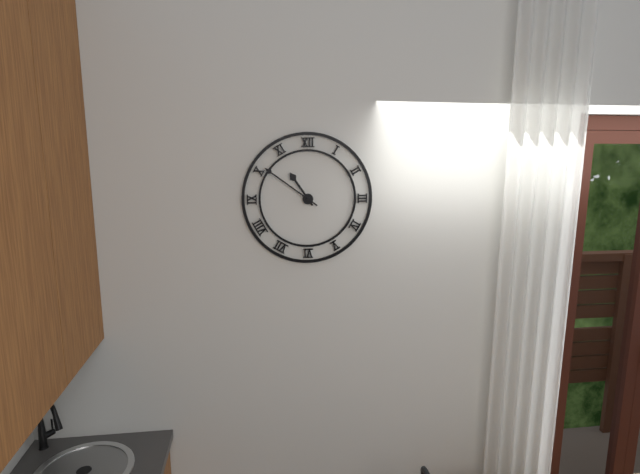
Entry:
h=10 m=51
